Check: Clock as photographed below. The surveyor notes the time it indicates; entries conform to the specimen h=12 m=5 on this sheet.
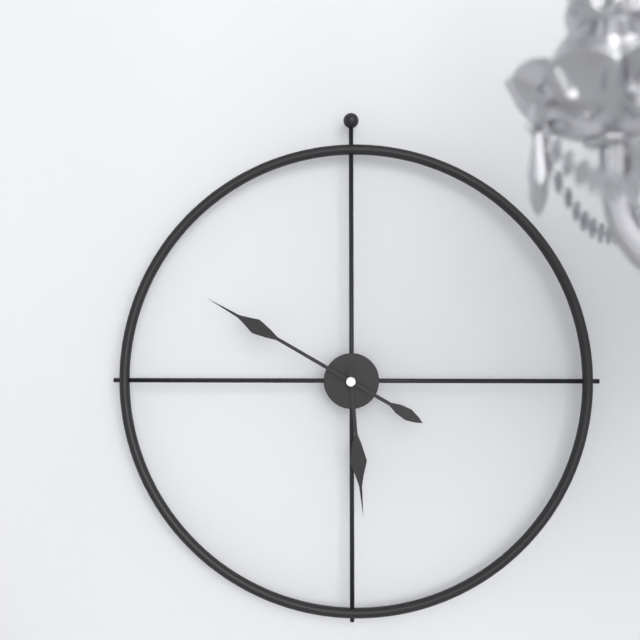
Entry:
h=5 m=50
